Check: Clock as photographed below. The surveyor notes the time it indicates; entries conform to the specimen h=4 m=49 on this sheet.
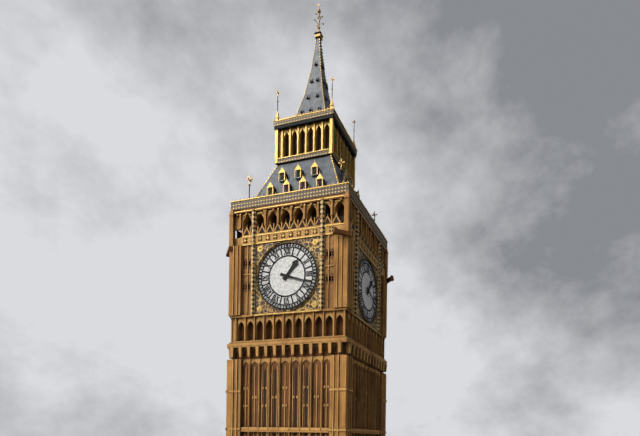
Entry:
h=1 m=18
